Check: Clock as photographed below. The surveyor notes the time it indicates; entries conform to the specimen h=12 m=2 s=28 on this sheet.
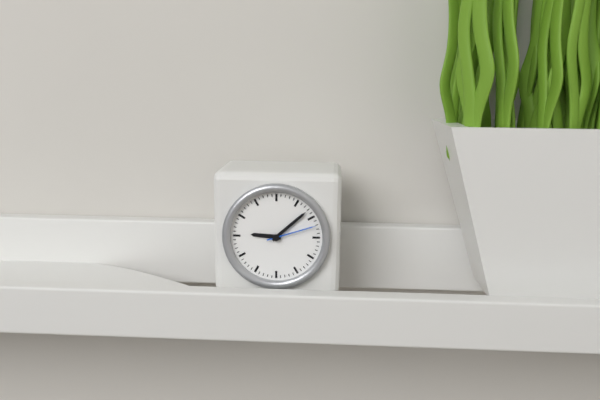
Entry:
h=9 m=8 s=12
